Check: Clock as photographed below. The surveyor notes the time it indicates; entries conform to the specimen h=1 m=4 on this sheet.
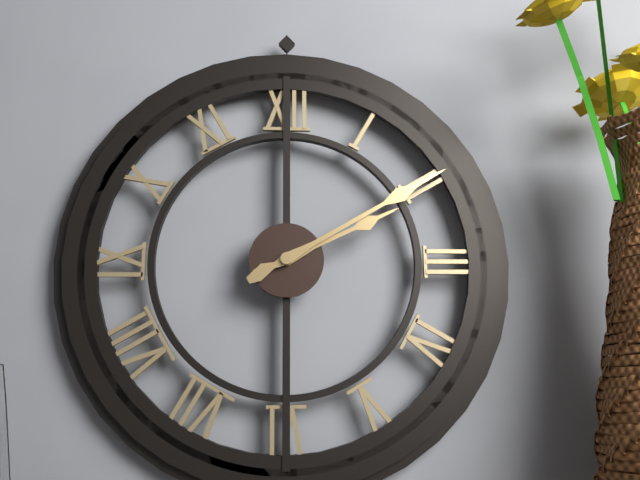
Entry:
h=2 m=10
